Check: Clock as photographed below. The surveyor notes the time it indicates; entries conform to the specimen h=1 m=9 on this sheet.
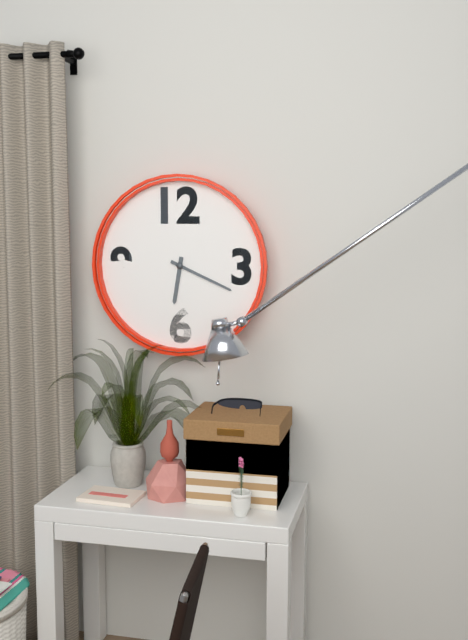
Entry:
h=6 m=19
